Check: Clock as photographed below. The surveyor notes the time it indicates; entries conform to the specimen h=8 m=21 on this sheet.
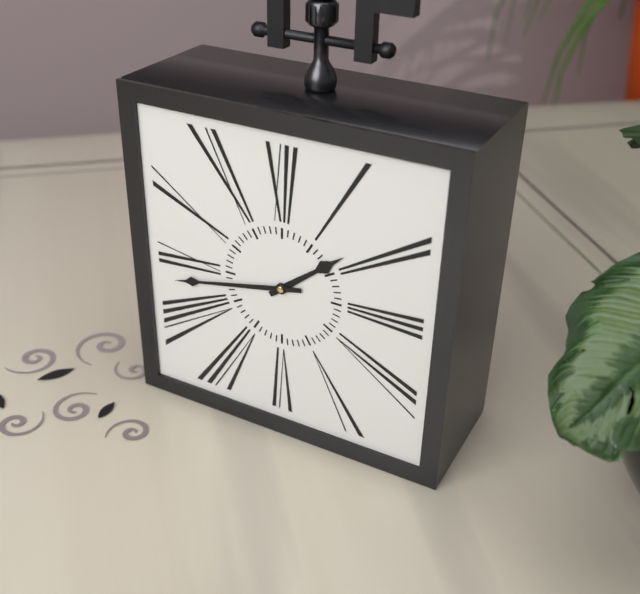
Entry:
h=1 m=43
